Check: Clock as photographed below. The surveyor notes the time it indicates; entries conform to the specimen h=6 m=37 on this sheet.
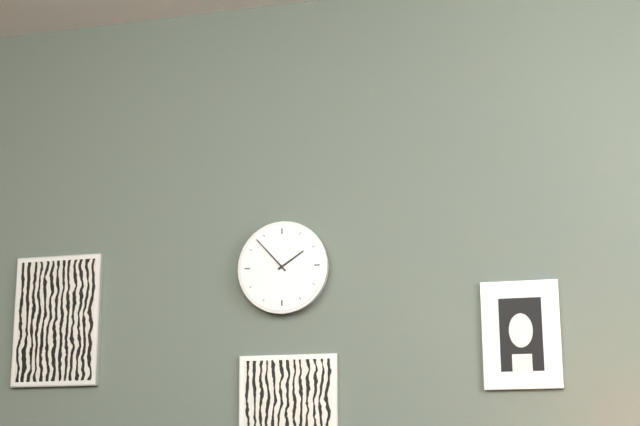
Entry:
h=1 m=53
